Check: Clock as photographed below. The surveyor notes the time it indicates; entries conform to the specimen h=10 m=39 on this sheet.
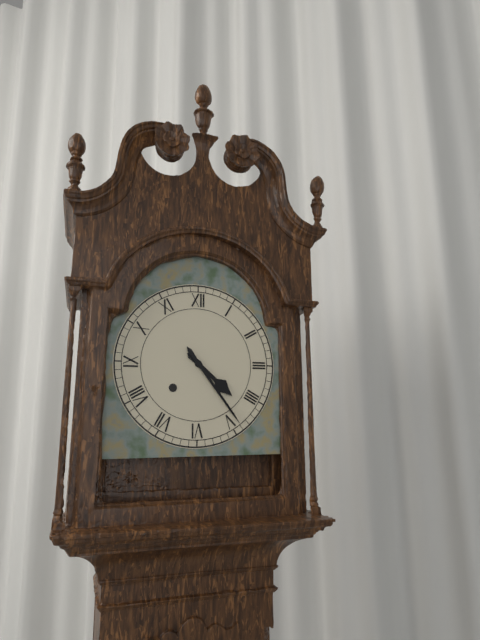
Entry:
h=4 m=24
